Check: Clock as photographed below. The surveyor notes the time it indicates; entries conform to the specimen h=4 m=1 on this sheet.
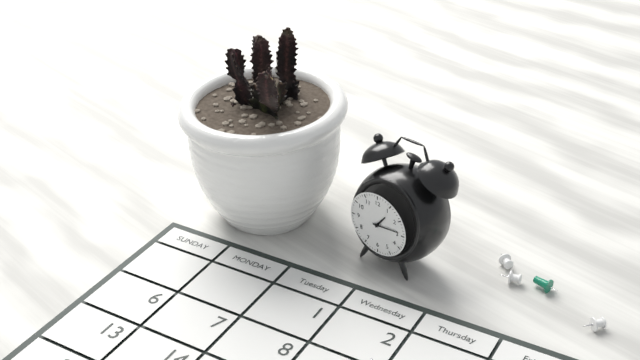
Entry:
h=1 m=14
